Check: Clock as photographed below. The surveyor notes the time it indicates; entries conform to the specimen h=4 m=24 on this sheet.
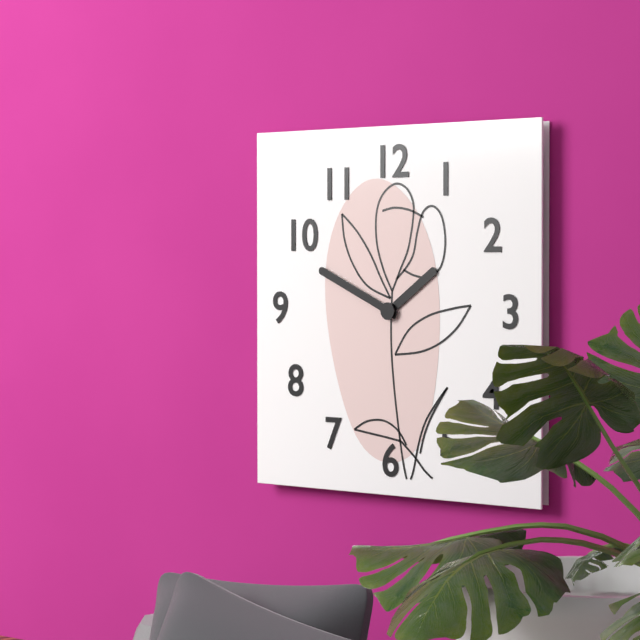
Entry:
h=1 m=49
